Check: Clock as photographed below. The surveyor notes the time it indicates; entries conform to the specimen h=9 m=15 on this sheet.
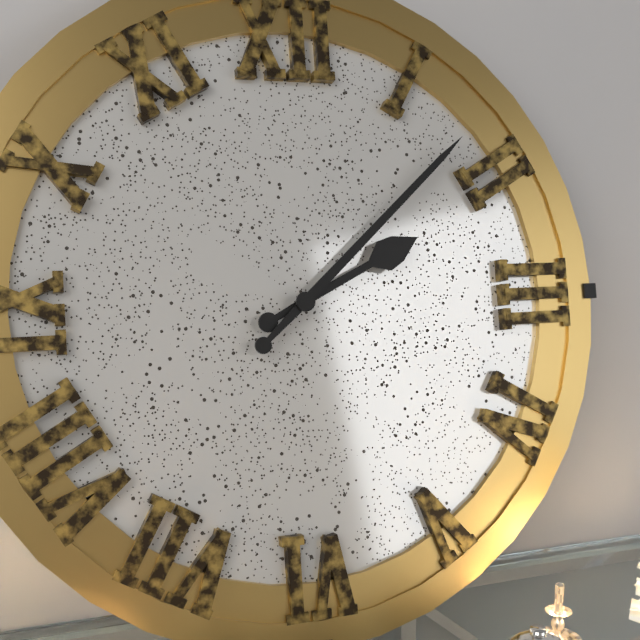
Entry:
h=2 m=8
